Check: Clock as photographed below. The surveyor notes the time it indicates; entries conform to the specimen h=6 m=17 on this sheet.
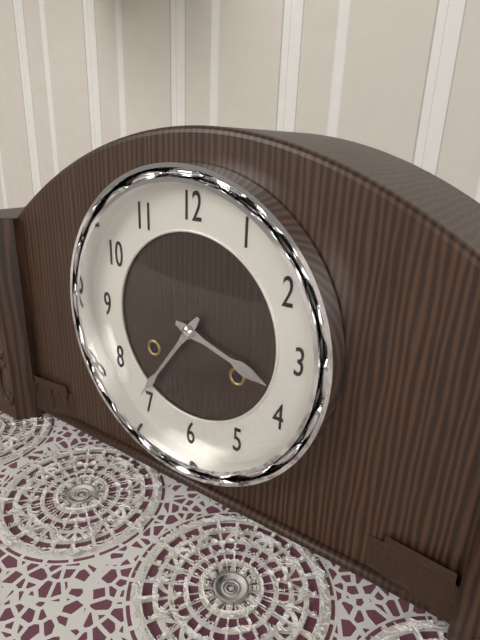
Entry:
h=3 m=36
